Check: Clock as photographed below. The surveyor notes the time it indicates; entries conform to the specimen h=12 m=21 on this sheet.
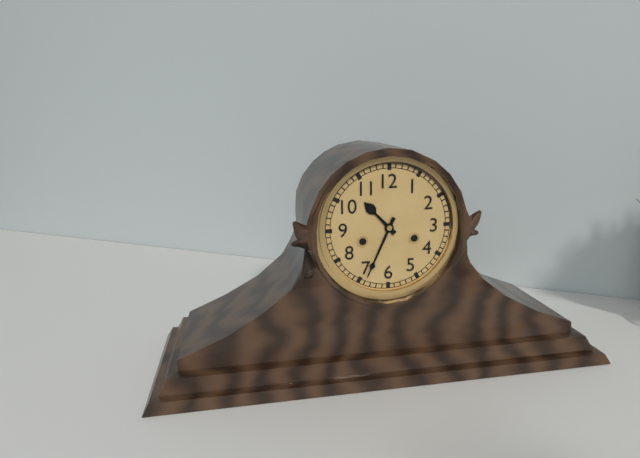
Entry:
h=10 m=34
